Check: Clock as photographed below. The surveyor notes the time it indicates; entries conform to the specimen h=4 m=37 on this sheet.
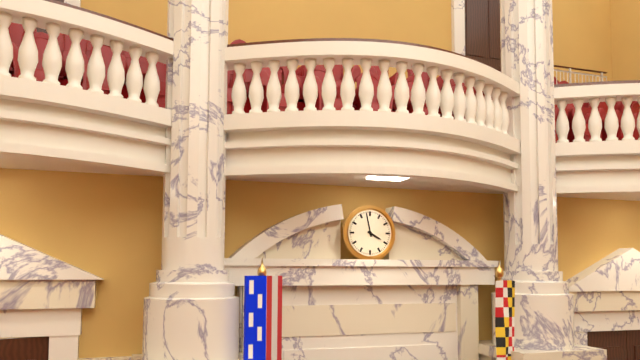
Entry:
h=3 m=58
